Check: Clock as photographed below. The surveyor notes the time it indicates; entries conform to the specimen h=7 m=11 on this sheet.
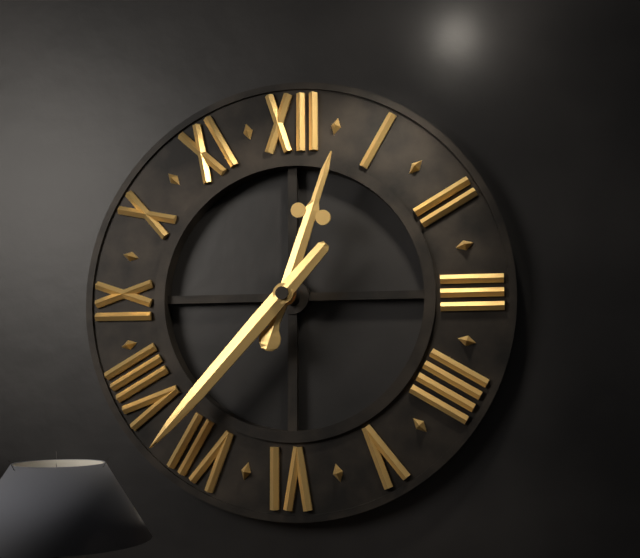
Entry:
h=12 m=37
